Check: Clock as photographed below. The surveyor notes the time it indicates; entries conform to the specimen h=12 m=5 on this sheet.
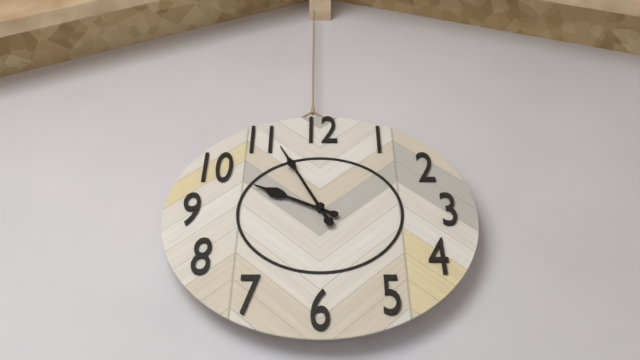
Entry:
h=9 m=56
